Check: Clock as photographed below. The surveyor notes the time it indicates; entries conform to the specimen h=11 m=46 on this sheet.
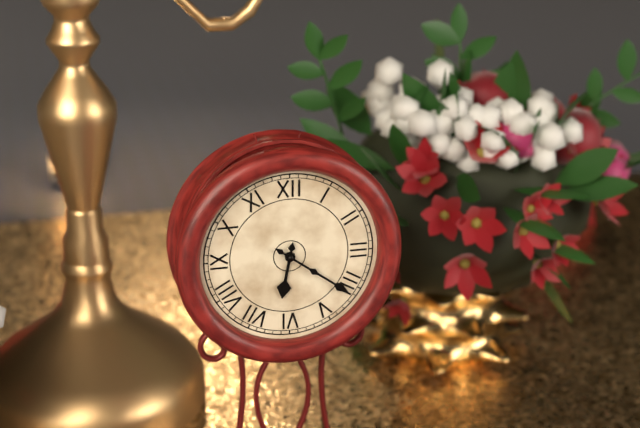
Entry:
h=6 m=21
